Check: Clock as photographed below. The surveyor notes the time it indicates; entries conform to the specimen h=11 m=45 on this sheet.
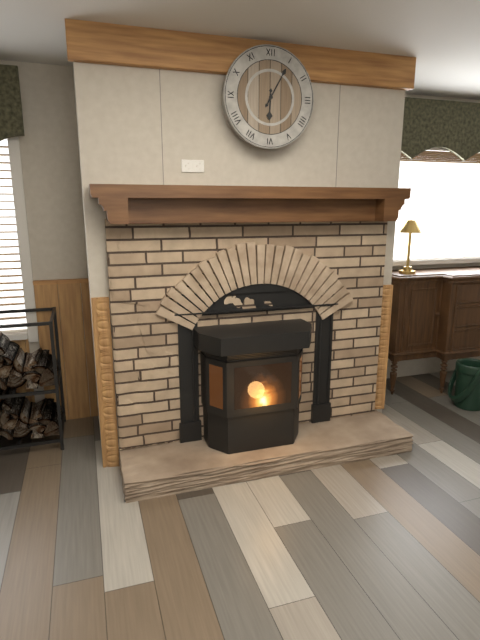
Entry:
h=6 m=5
